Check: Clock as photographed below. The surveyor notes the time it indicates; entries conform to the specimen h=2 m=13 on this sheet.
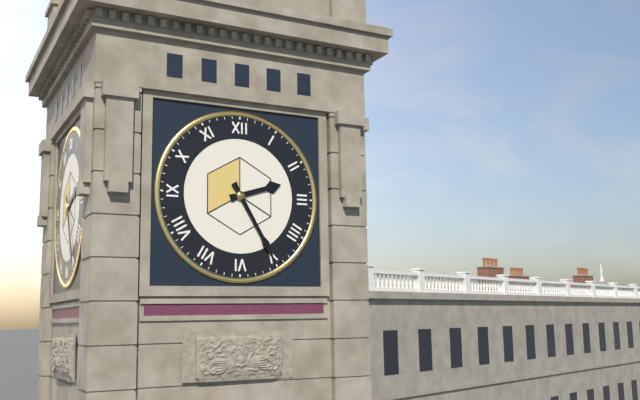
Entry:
h=2 m=25
